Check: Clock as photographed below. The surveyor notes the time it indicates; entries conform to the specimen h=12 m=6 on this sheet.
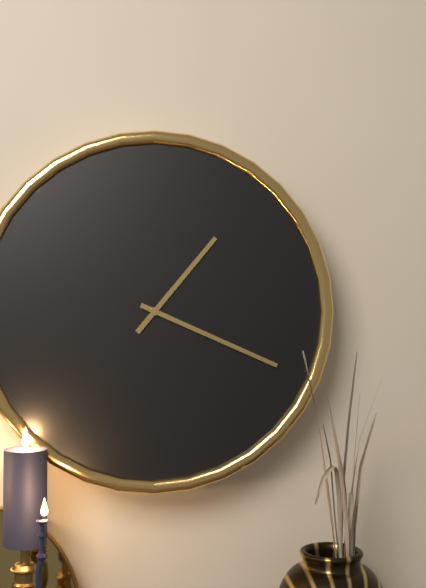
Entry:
h=1 m=19
